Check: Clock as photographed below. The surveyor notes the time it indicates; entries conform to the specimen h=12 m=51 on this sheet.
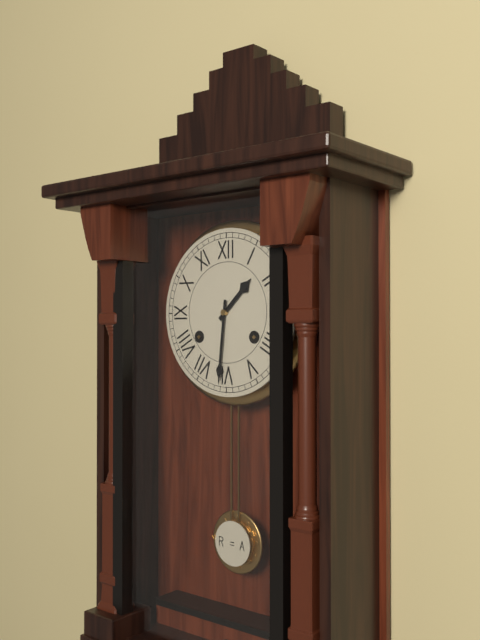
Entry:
h=1 m=31
